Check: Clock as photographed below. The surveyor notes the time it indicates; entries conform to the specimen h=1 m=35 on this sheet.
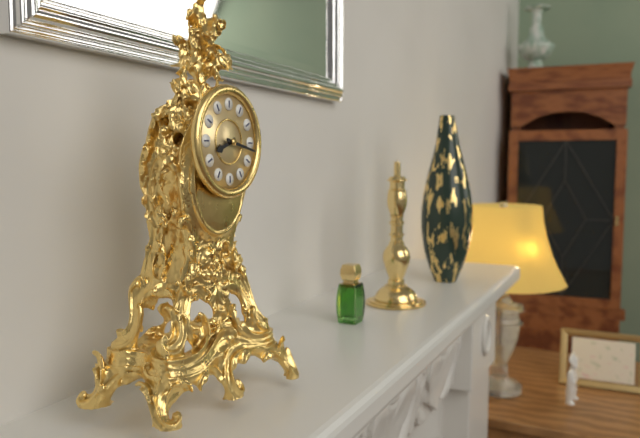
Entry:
h=8 m=17
